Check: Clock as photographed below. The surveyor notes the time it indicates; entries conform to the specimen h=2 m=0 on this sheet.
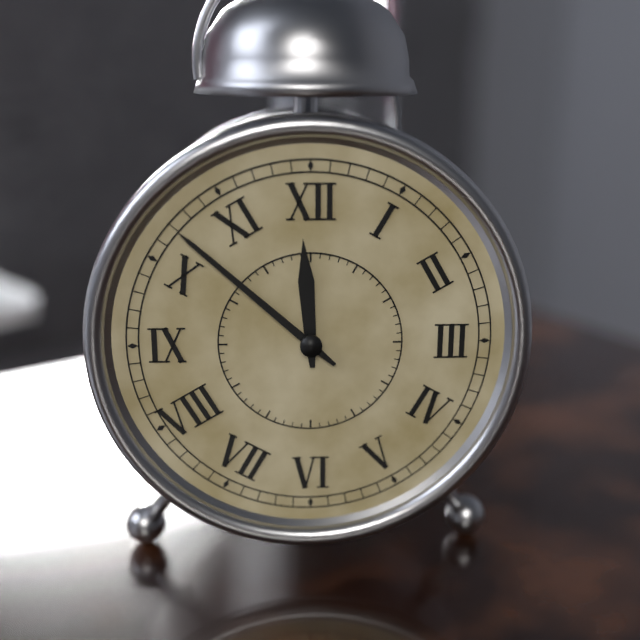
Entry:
h=11 m=52
